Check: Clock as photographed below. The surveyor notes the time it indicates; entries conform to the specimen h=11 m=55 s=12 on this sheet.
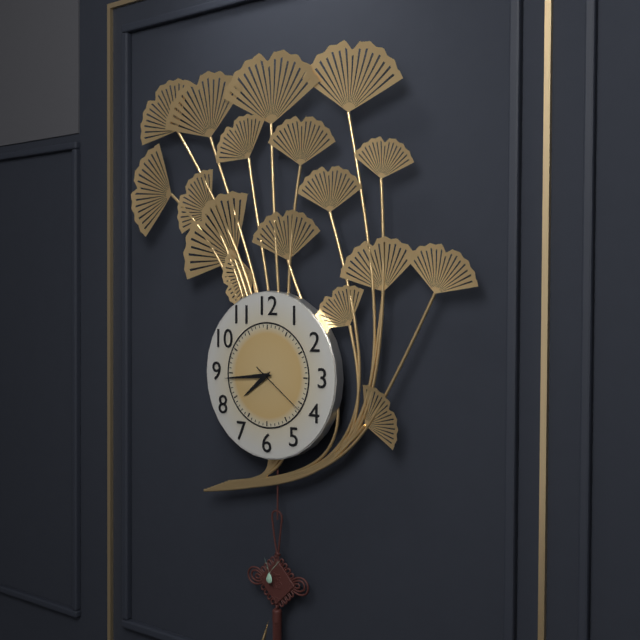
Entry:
h=7 m=44 s=21
